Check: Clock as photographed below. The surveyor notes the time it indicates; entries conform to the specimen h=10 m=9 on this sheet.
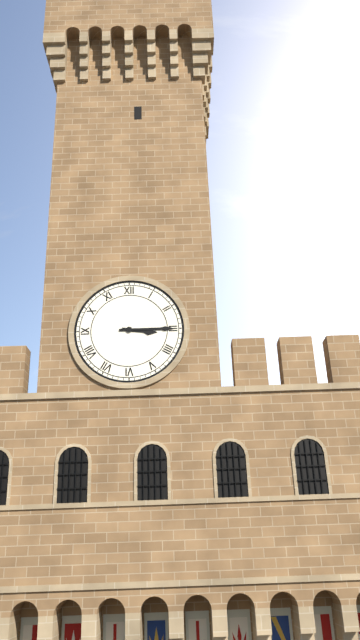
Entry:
h=3 m=15
